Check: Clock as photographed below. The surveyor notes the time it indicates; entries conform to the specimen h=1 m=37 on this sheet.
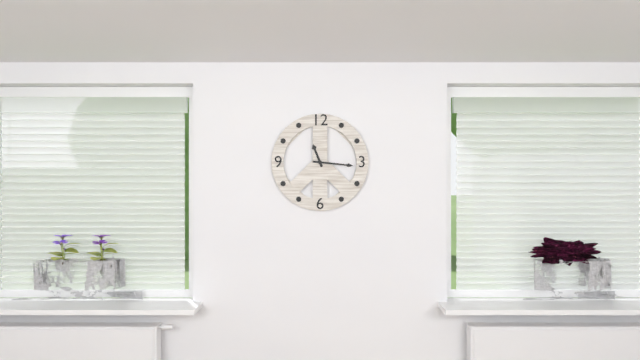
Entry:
h=11 m=16
